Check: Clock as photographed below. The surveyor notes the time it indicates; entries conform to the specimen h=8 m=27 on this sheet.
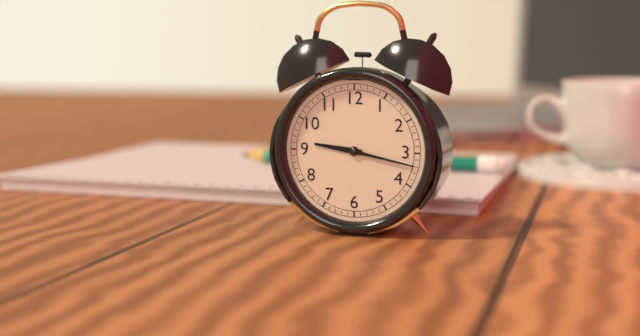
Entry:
h=9 m=17
